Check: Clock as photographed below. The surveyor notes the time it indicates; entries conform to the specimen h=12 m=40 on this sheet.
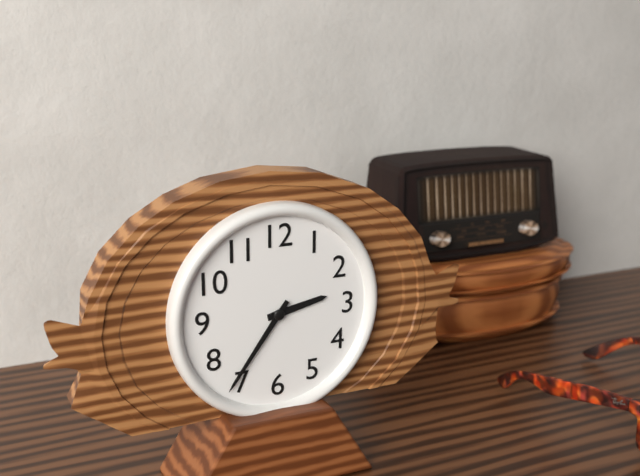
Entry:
h=2 m=36
